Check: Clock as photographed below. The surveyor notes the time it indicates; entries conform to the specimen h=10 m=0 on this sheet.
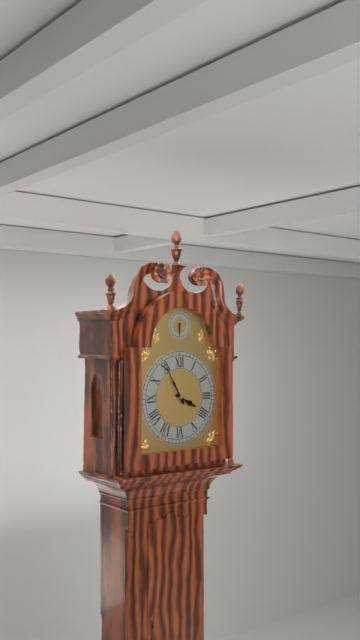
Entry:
h=3 m=55
